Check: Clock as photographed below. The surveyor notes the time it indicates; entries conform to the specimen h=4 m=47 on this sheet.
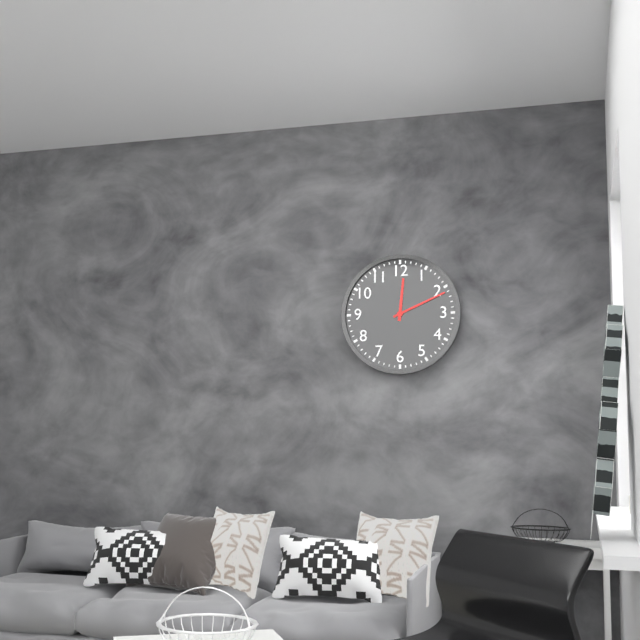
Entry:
h=12 m=11
